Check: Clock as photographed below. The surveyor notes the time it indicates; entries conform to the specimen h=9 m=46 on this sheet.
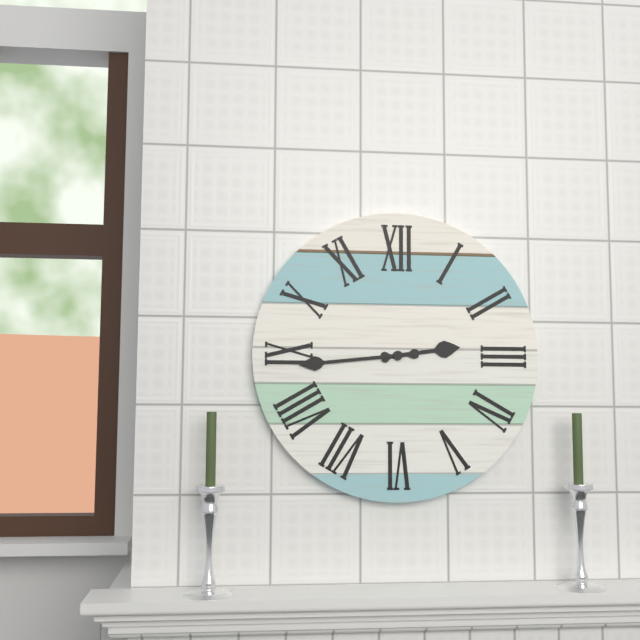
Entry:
h=2 m=44
